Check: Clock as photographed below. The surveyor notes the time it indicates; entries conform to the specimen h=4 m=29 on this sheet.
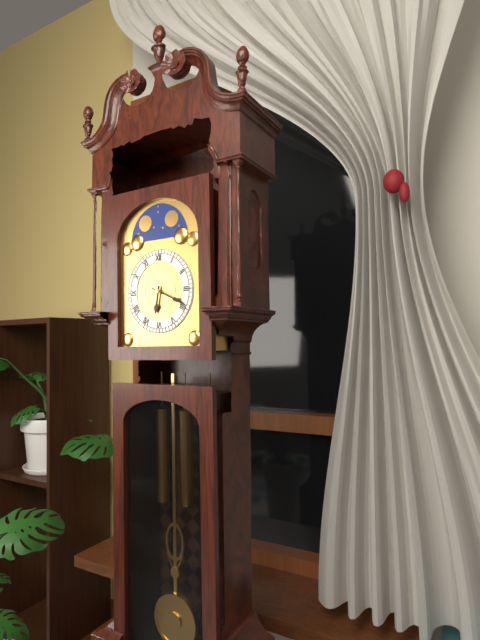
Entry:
h=6 m=19
